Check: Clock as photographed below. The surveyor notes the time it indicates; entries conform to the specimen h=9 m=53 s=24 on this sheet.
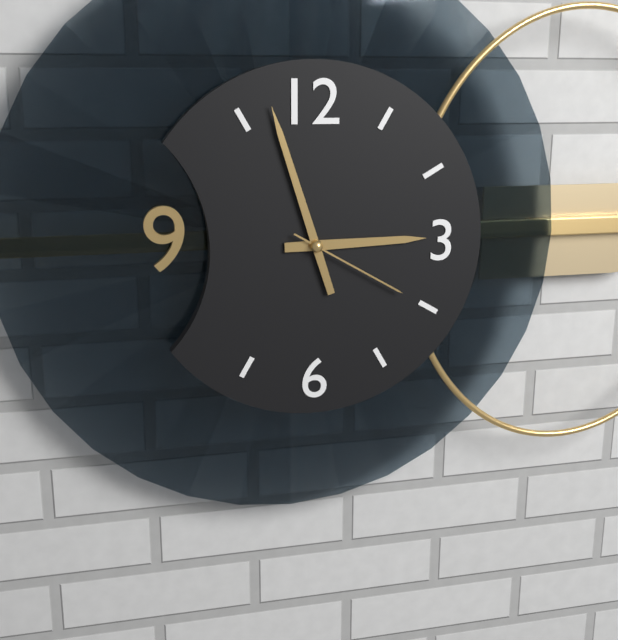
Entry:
h=2 m=57 s=20
